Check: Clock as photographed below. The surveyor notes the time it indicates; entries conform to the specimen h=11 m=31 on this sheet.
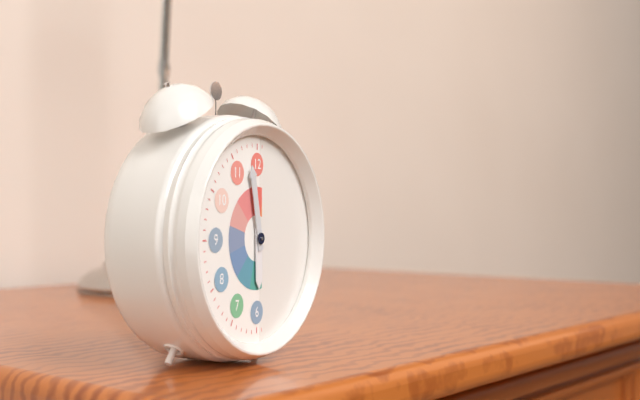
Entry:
h=5 m=58
